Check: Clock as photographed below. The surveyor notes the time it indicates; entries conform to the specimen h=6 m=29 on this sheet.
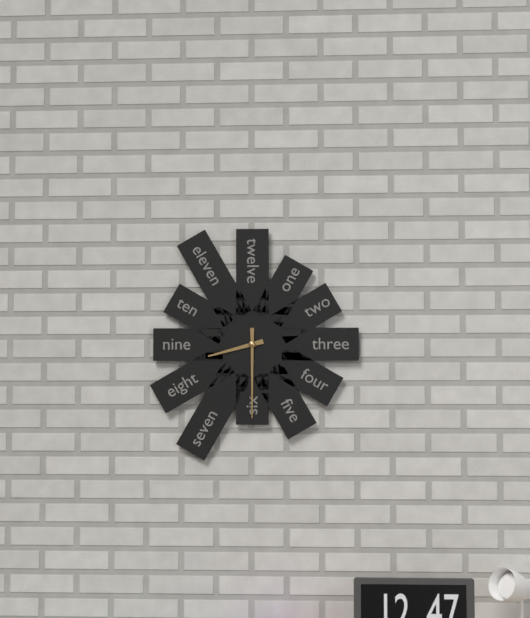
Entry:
h=8 m=30
